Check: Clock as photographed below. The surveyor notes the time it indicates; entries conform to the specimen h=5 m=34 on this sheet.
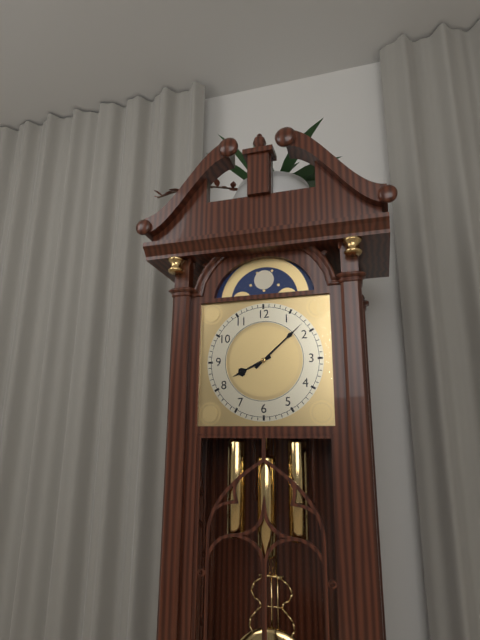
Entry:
h=8 m=8
